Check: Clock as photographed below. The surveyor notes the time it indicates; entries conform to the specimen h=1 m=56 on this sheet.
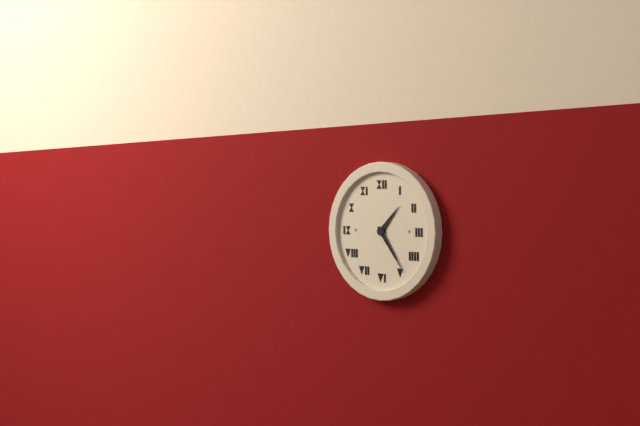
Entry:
h=1 m=24
